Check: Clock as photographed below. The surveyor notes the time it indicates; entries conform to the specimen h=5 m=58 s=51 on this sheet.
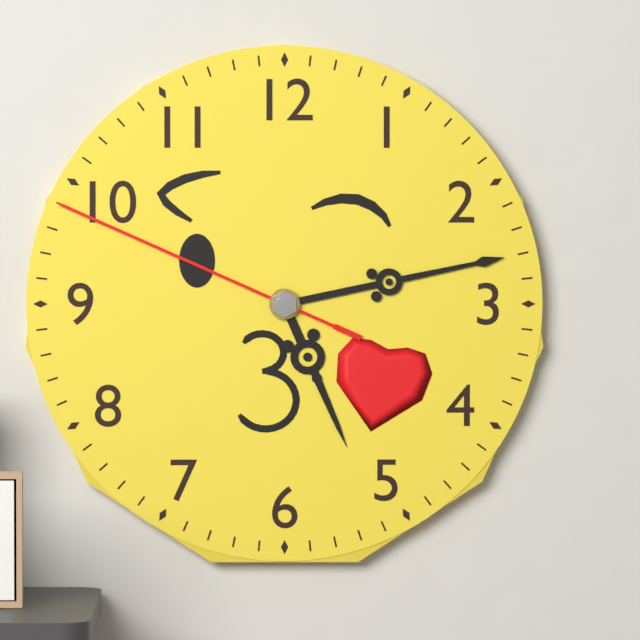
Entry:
h=5 m=13 s=49
